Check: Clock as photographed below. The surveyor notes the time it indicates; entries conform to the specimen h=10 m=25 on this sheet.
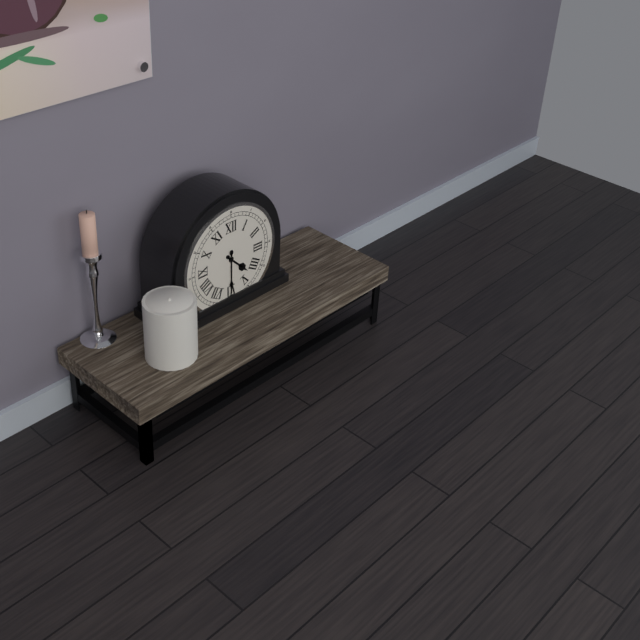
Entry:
h=4 m=30
